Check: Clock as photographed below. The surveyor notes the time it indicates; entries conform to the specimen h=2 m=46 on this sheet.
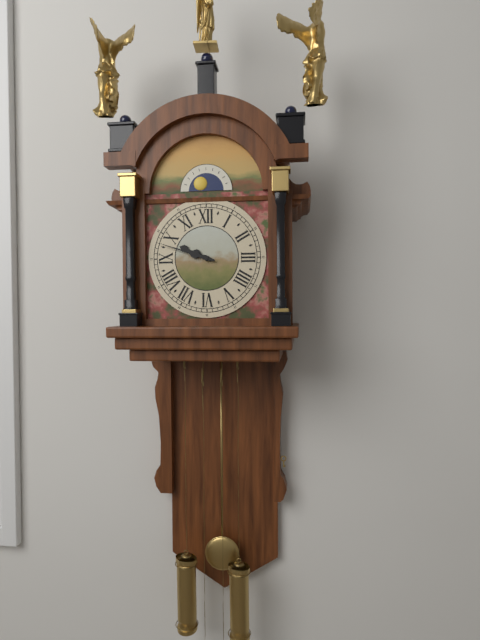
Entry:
h=9 m=48
